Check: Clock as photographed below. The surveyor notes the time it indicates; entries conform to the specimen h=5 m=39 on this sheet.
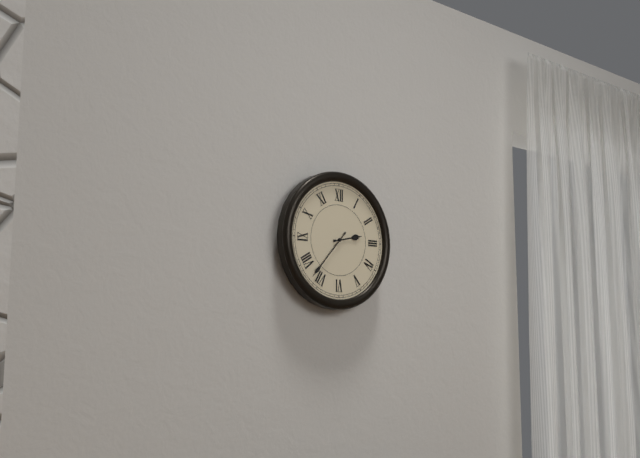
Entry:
h=2 m=37
